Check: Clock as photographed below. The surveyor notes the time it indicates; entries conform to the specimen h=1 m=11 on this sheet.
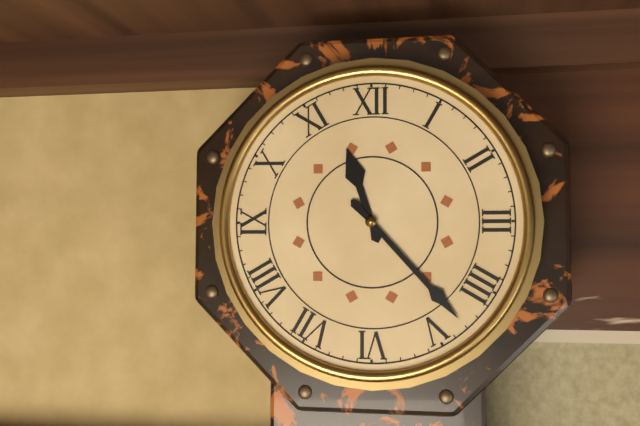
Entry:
h=11 m=23
